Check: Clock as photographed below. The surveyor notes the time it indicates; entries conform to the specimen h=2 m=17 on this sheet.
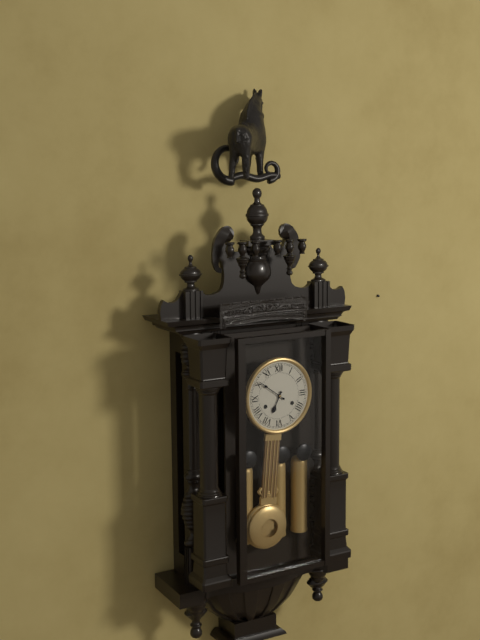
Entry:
h=6 m=51
